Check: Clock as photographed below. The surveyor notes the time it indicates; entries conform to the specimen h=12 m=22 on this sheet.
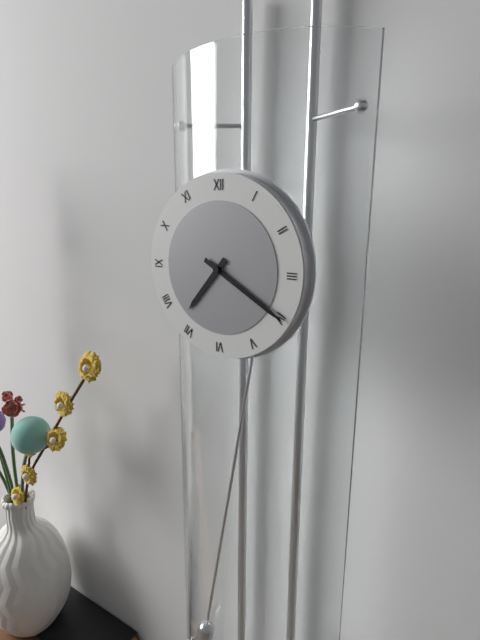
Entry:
h=7 m=20
